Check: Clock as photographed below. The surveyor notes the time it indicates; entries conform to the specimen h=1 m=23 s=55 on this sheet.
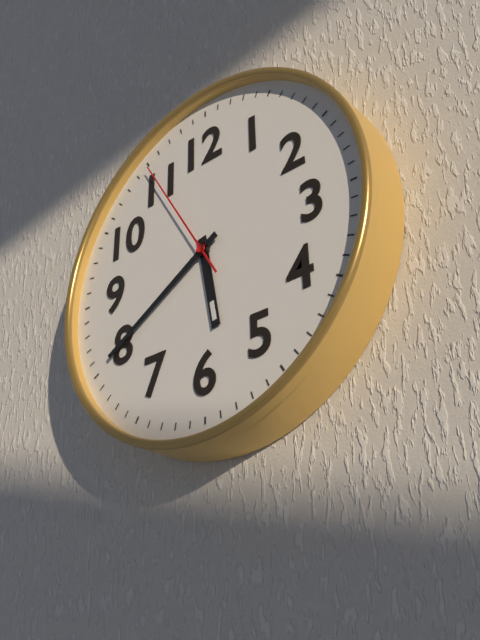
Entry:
h=5 m=40 s=55
